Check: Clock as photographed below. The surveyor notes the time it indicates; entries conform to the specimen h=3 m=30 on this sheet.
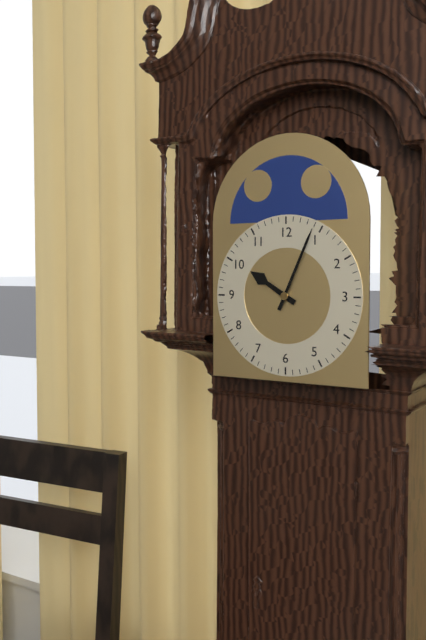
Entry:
h=10 m=4
